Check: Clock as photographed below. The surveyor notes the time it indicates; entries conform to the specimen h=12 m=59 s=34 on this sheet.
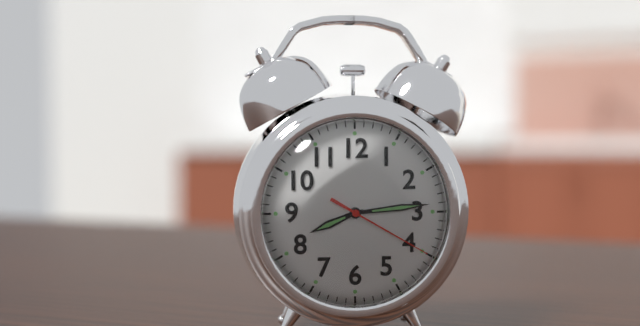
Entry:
h=8 m=14 s=20
